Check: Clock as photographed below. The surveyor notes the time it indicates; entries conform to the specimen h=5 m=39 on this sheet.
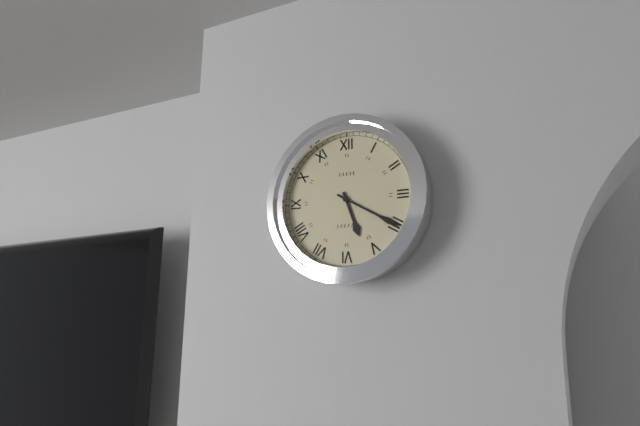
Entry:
h=5 m=20
